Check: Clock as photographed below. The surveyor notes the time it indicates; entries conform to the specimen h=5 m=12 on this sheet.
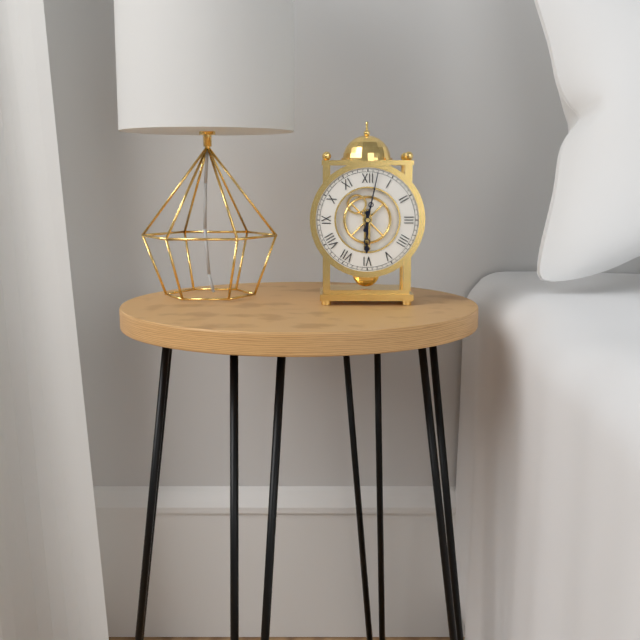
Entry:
h=6 m=2
